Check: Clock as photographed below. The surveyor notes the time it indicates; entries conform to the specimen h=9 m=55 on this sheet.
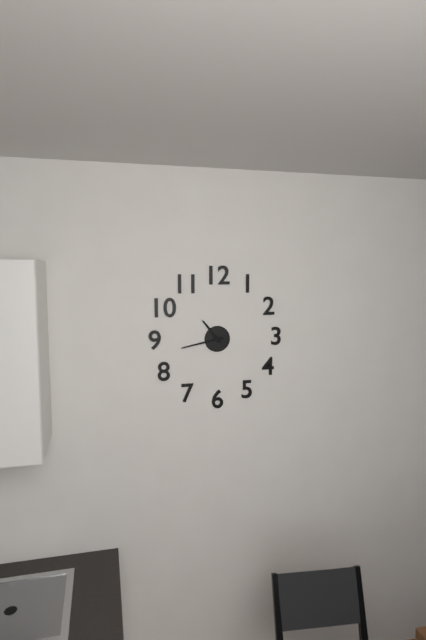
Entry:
h=10 m=43
